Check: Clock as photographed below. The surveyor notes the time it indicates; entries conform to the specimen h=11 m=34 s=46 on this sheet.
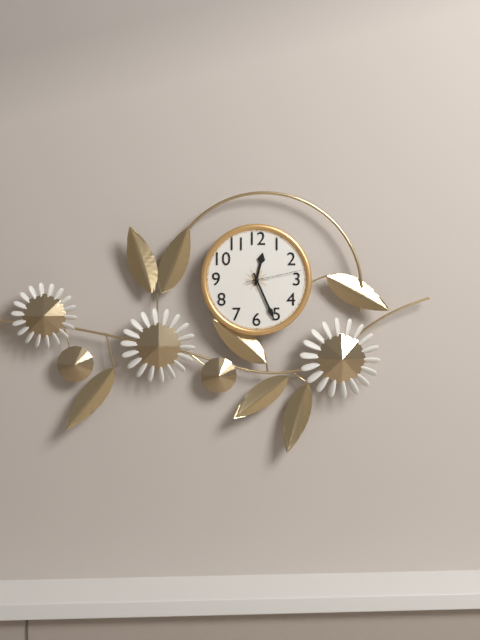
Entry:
h=12 m=26 s=13
